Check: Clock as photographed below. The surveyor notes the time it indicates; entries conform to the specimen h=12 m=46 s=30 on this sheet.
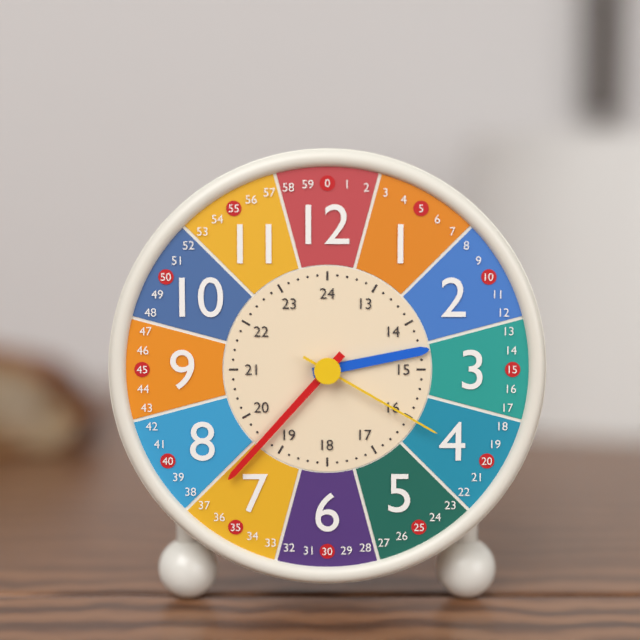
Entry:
h=2 m=37 s=20
